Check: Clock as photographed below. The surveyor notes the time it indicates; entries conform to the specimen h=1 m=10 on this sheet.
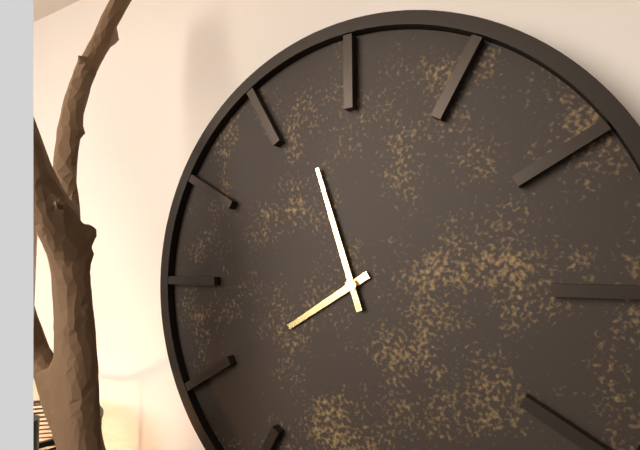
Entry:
h=7 m=57
